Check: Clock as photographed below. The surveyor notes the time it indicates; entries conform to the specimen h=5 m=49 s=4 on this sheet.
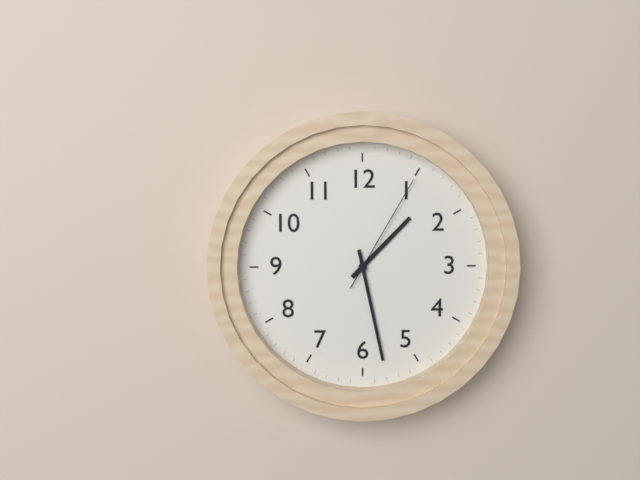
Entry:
h=1 m=28 s=5
